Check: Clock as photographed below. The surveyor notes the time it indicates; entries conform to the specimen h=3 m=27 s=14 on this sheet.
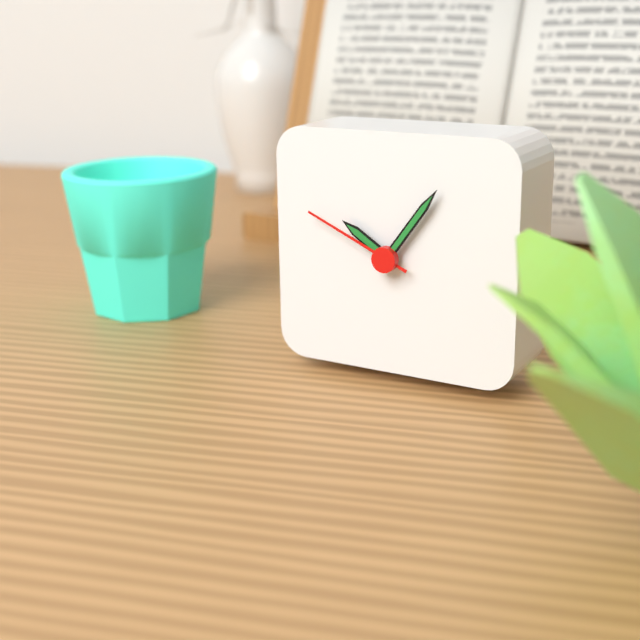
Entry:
h=10 m=6 s=49
